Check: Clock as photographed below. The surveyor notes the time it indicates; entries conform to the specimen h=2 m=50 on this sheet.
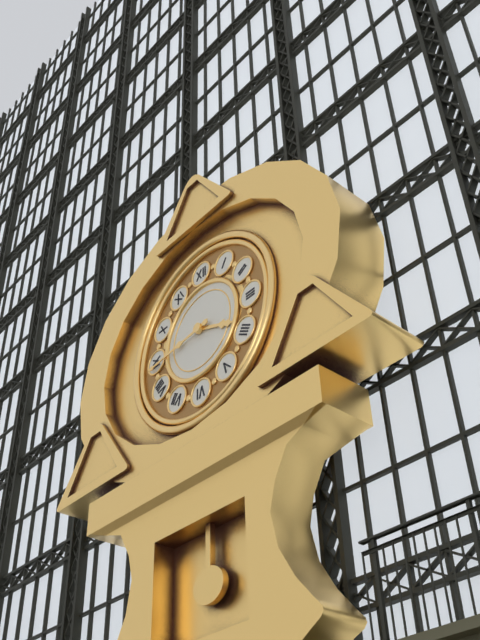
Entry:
h=3 m=44
